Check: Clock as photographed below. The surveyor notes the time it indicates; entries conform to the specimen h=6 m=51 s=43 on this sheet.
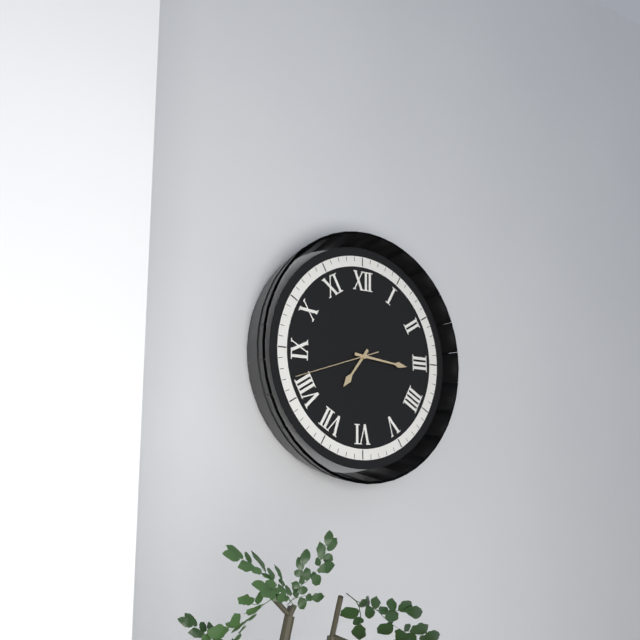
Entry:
h=7 m=16 s=42
